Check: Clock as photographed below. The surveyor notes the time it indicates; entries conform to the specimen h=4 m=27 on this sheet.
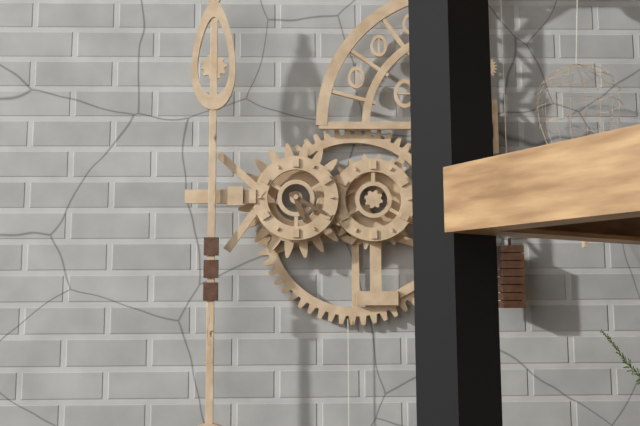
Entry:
h=5 m=20
